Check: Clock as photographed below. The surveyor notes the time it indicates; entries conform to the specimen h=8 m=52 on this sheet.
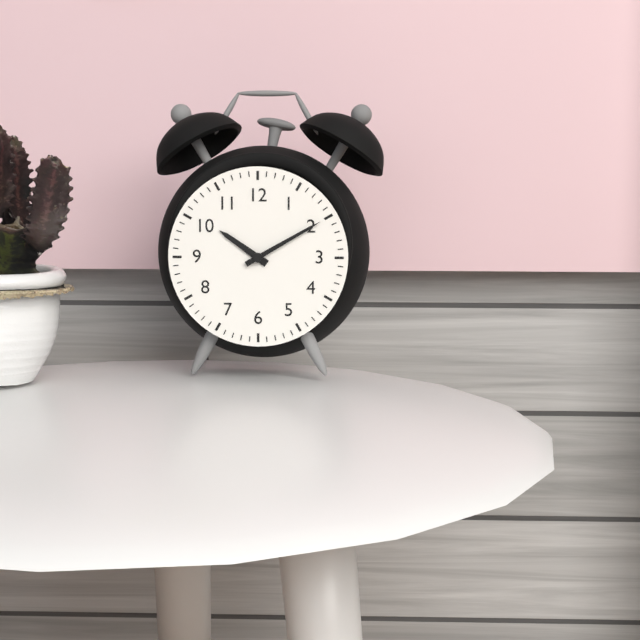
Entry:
h=10 m=10
